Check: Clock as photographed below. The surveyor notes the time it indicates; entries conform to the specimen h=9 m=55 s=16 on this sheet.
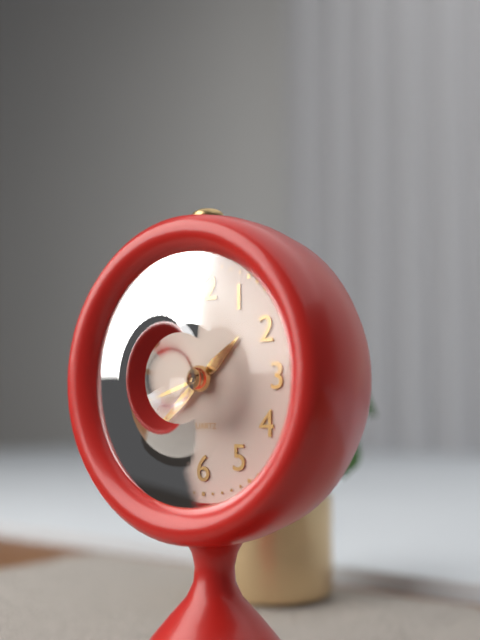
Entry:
h=1 m=38 s=42
